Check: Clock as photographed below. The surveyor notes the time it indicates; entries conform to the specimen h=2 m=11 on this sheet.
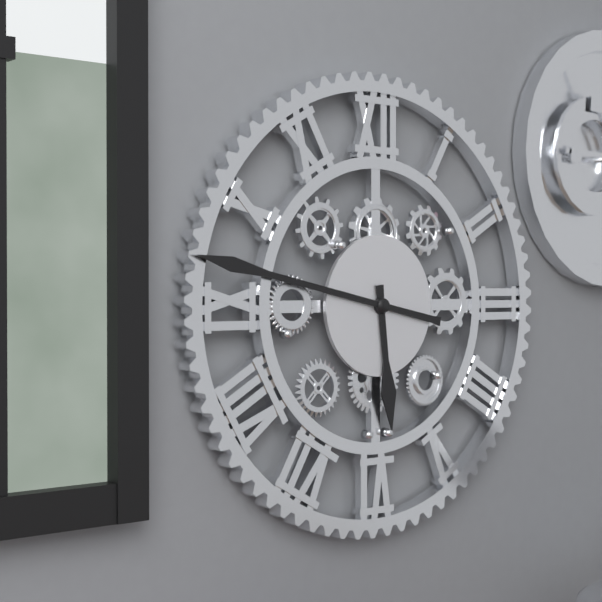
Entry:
h=5 m=47
